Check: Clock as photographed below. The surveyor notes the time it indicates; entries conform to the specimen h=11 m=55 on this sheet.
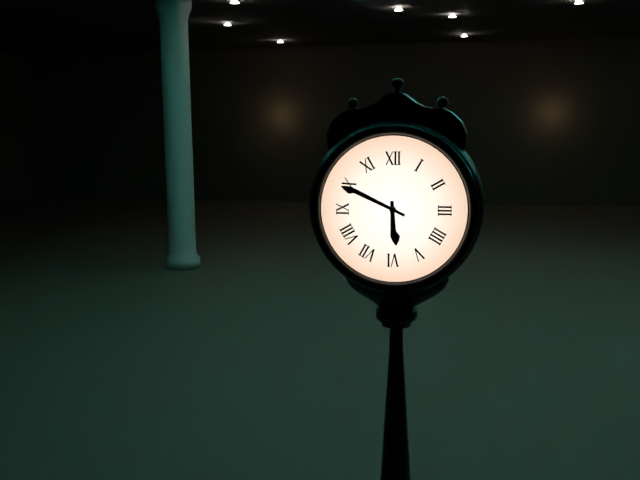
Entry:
h=5 m=49
